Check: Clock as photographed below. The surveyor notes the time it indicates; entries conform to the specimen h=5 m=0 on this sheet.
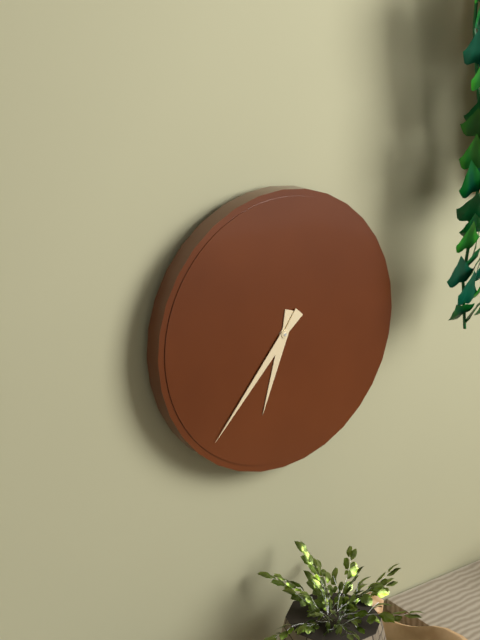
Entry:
h=6 m=37
